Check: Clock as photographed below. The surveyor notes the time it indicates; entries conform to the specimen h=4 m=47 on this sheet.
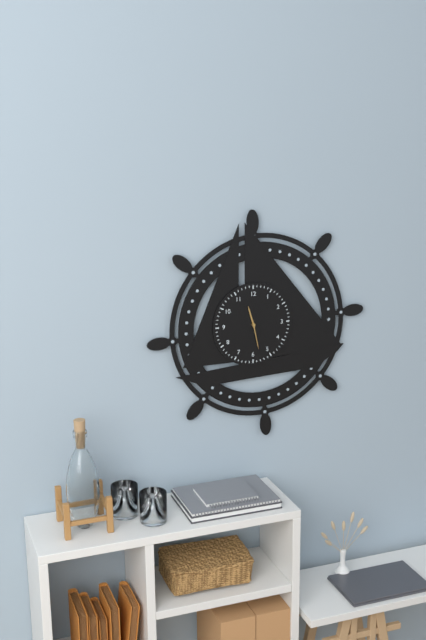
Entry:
h=11 m=28
